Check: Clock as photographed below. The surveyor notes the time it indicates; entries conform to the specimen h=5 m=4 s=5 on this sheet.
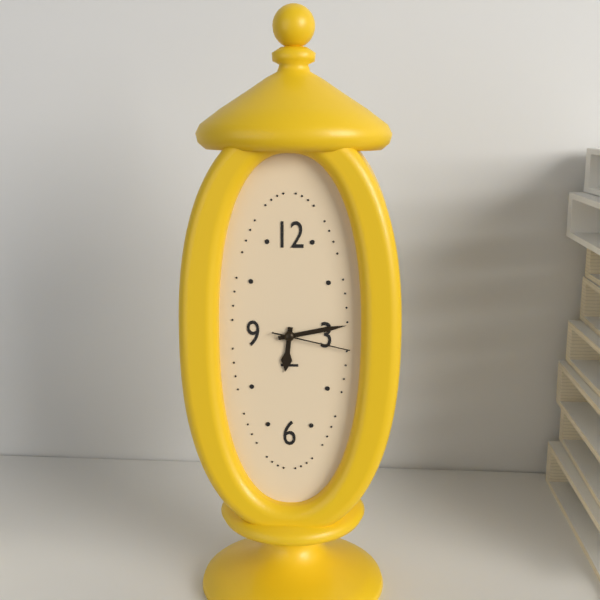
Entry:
h=6 m=13 s=17
